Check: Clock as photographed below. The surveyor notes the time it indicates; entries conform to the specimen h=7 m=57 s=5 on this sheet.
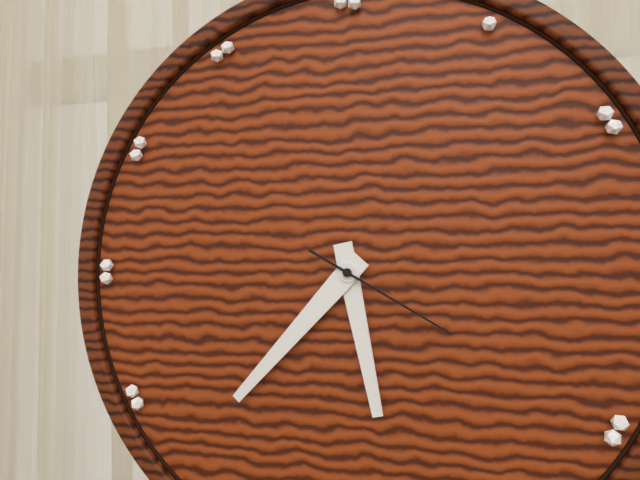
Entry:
h=5 m=37 s=20
